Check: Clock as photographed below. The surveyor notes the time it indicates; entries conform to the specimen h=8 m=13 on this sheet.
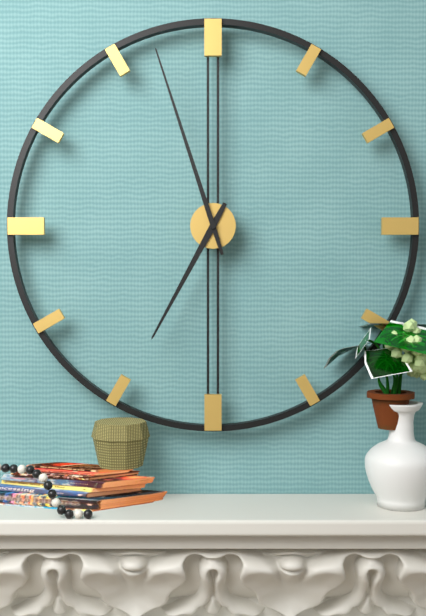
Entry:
h=6 m=57
